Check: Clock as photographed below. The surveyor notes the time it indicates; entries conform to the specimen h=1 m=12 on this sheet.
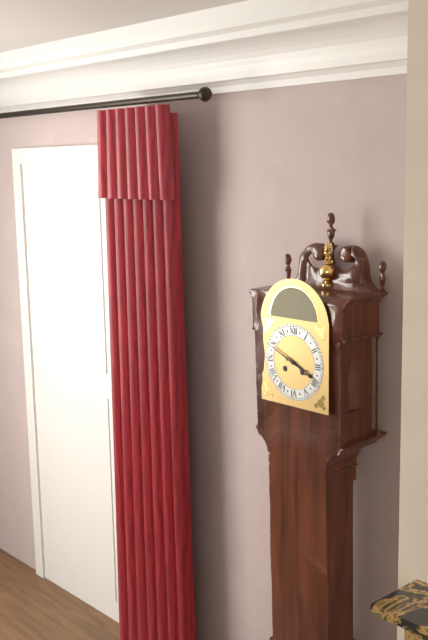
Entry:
h=3 m=49
